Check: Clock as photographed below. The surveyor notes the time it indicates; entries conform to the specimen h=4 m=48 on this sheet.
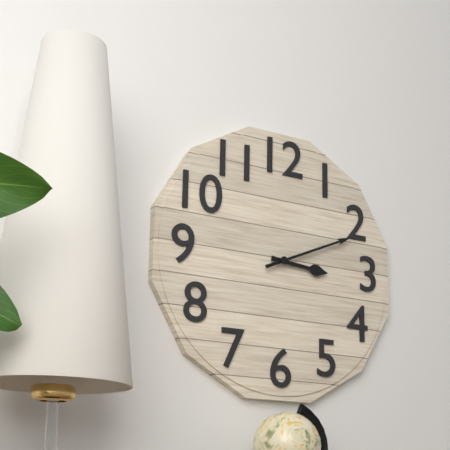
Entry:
h=3 m=11
